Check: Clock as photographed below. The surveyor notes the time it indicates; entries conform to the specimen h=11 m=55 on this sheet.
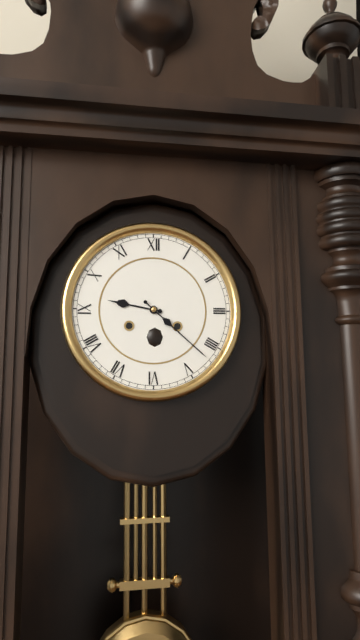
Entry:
h=9 m=22
